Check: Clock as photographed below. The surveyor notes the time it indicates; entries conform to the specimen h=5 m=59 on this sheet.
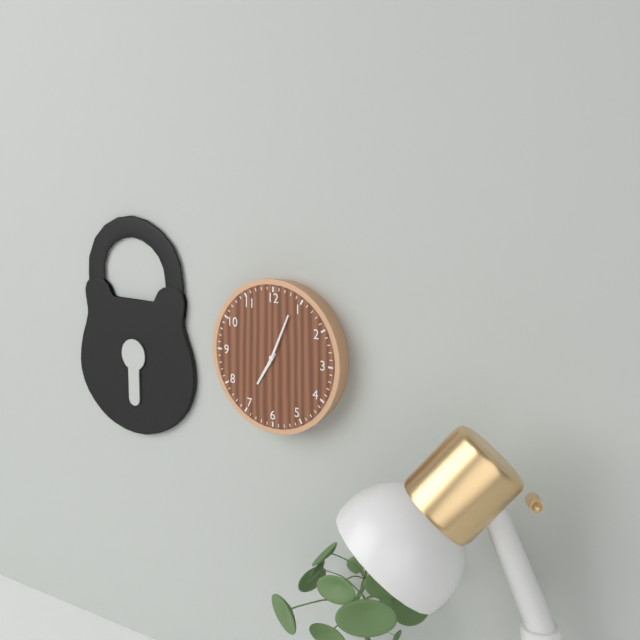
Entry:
h=7 m=4
